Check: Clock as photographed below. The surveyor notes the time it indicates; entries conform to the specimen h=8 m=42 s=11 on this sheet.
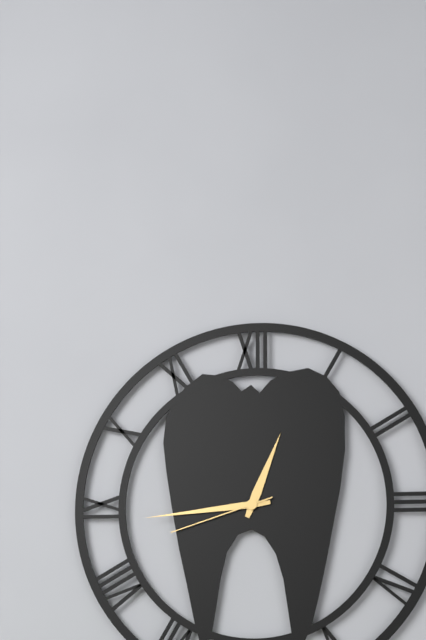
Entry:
h=12 m=44 s=42
